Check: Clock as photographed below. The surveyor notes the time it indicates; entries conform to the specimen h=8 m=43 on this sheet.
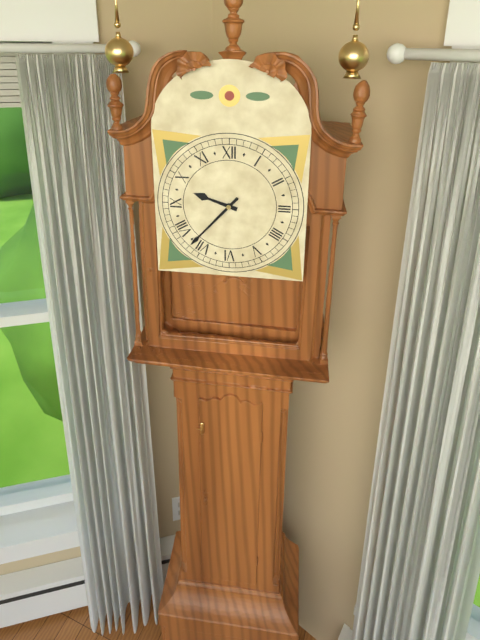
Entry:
h=9 m=37
